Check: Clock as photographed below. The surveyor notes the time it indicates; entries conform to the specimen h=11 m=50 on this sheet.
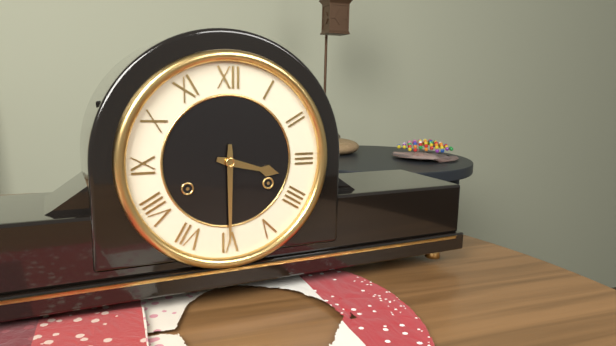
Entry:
h=3 m=30
